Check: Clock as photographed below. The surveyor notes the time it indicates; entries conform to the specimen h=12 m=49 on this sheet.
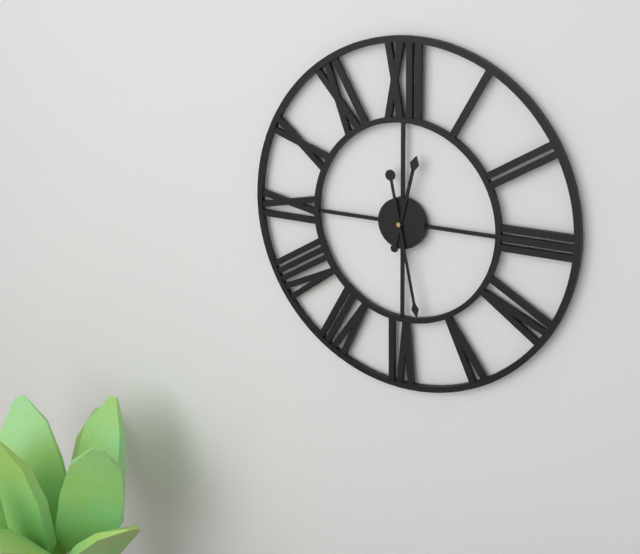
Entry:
h=12 m=28
